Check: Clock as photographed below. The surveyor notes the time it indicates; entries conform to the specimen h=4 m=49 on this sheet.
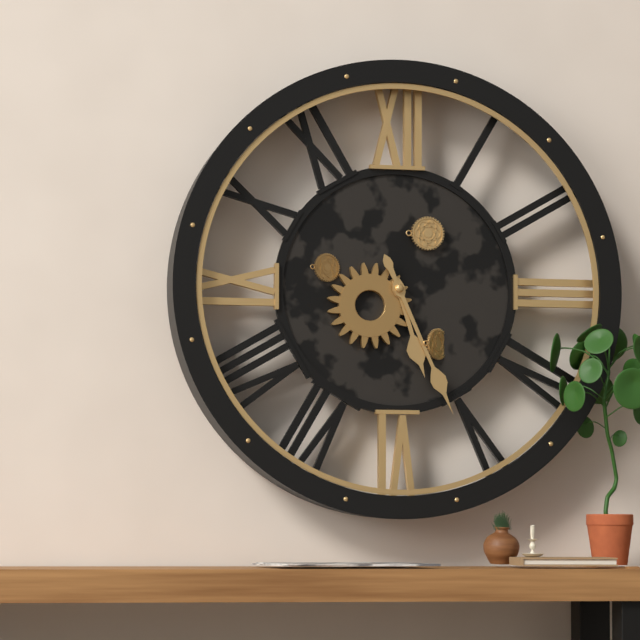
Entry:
h=5 m=26
